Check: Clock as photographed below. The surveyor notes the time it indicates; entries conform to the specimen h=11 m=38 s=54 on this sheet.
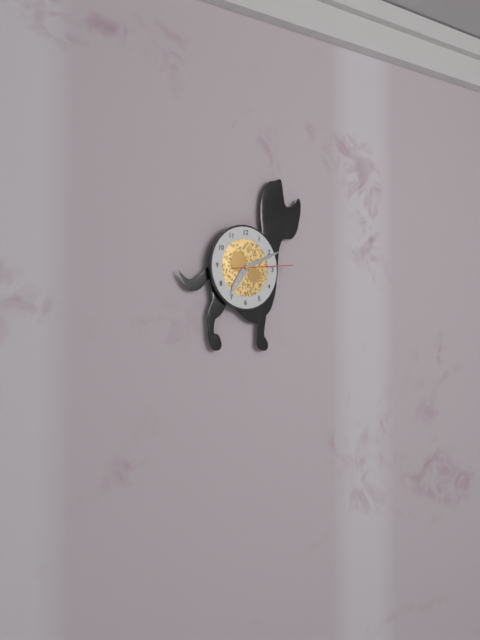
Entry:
h=7 m=11 s=14
